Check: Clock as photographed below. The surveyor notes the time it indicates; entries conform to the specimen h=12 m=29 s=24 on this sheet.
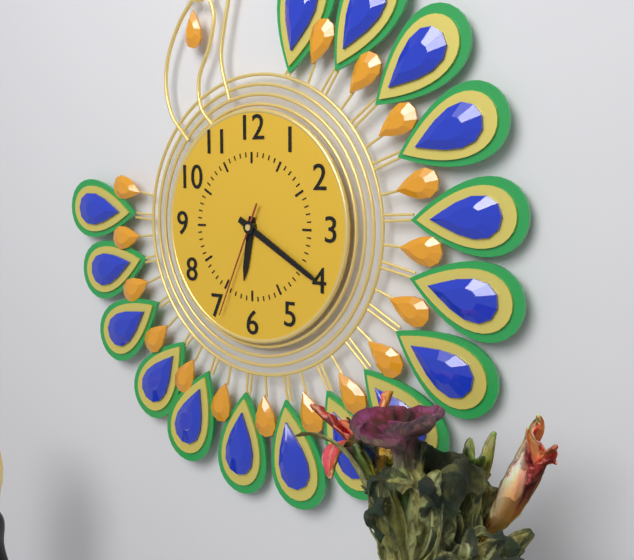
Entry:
h=6 m=20 s=34
